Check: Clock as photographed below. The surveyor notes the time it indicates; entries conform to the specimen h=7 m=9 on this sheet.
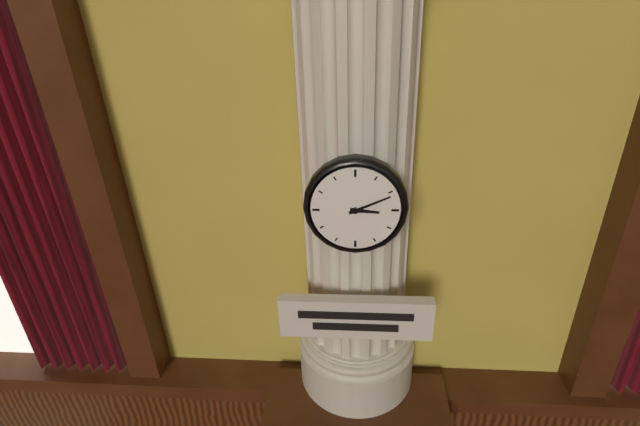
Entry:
h=3 m=11
